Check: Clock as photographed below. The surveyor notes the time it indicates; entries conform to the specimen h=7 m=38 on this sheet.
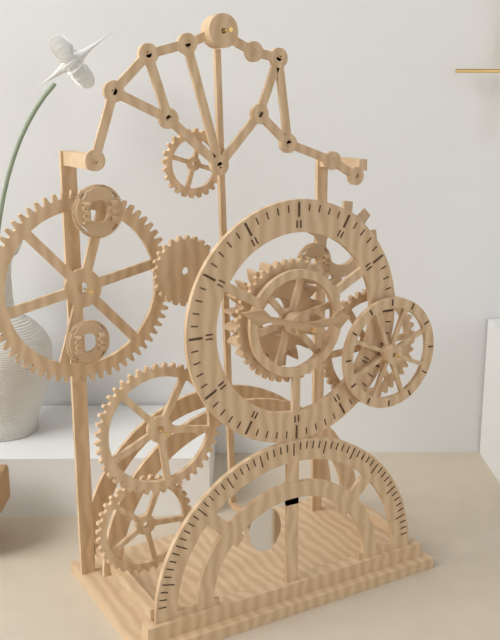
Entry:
h=2 m=48
